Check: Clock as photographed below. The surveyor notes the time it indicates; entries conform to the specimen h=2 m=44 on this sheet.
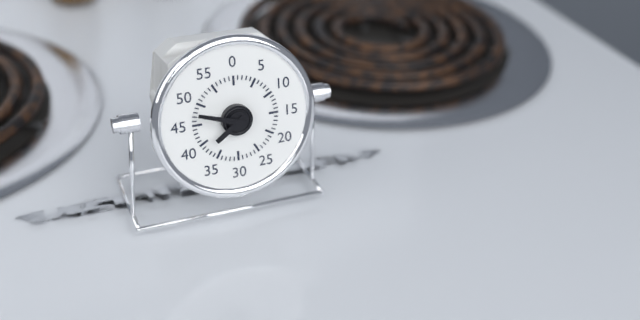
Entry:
h=7 m=48
